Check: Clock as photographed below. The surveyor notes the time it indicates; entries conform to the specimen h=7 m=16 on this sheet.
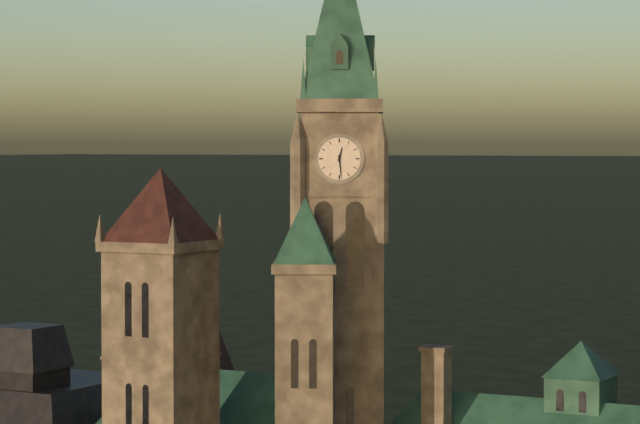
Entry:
h=12 m=29
